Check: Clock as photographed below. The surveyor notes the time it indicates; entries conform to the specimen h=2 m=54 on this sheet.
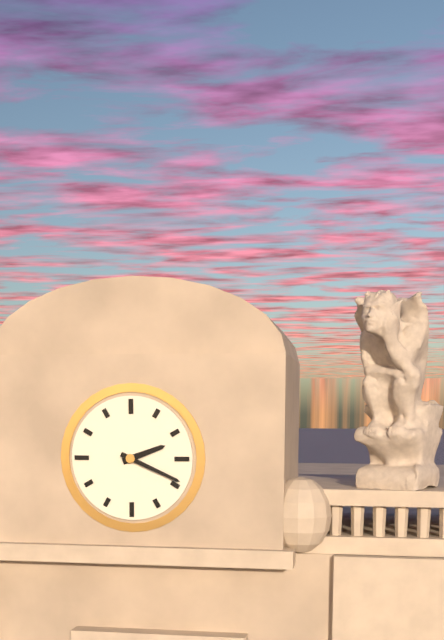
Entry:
h=2 m=19
